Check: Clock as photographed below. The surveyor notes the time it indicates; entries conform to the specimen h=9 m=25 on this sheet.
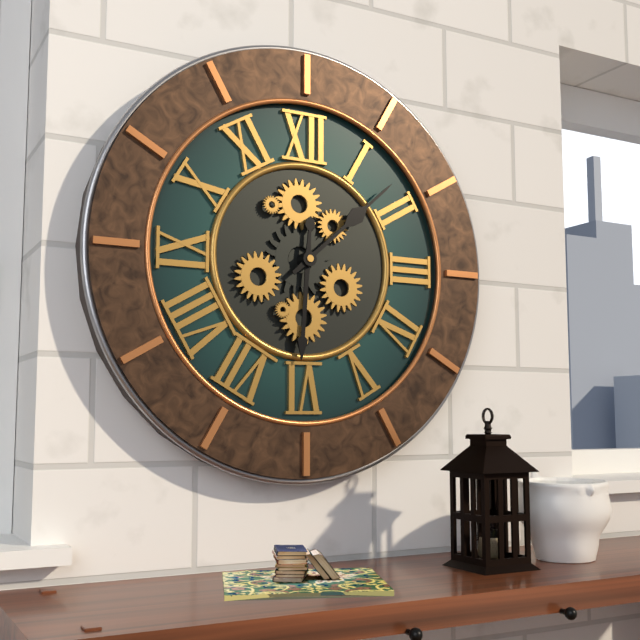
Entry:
h=6 m=8
